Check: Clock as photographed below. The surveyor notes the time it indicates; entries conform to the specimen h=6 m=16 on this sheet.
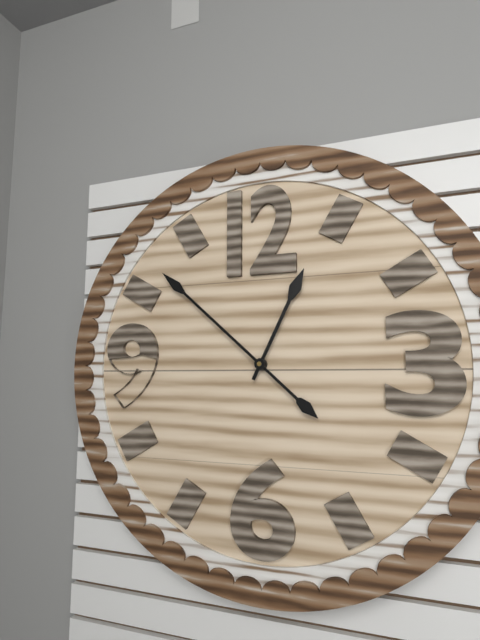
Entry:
h=12 m=52
